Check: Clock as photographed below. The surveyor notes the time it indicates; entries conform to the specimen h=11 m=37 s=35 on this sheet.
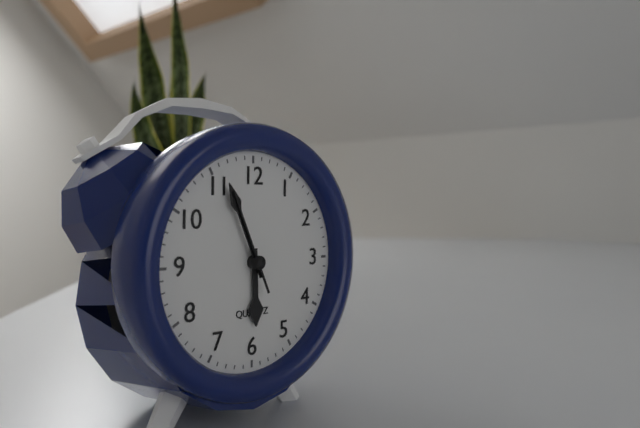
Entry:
h=5 m=56 s=56
